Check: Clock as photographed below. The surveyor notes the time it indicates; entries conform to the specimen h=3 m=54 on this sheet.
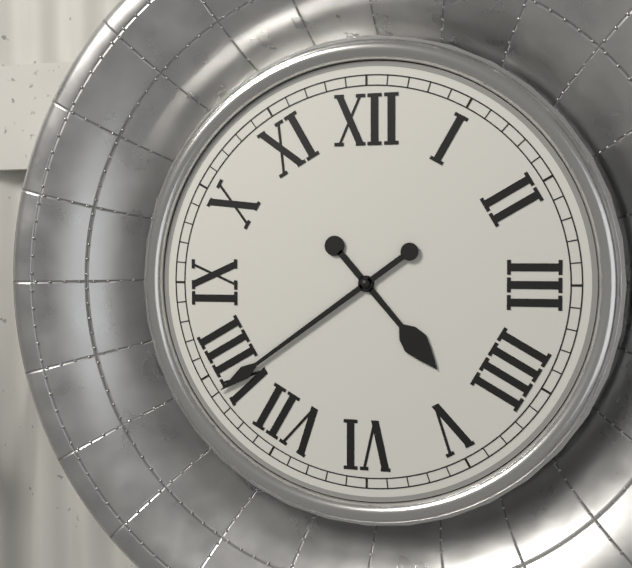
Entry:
h=4 m=39
